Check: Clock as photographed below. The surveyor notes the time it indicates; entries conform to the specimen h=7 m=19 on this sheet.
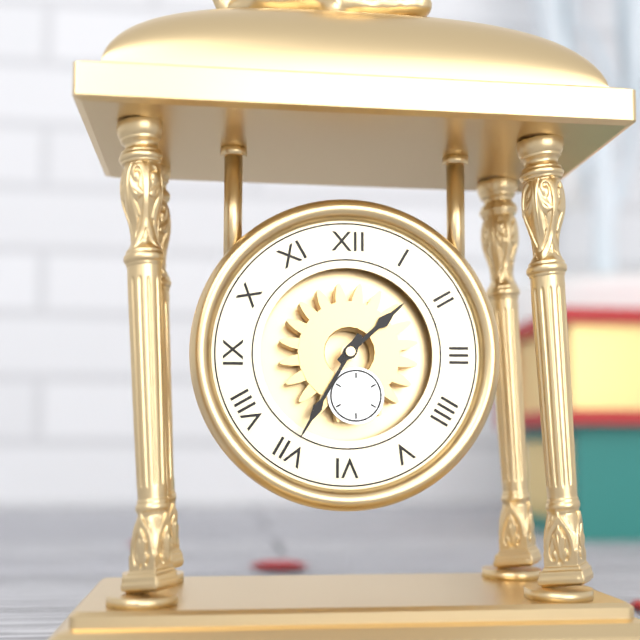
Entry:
h=1 m=35
